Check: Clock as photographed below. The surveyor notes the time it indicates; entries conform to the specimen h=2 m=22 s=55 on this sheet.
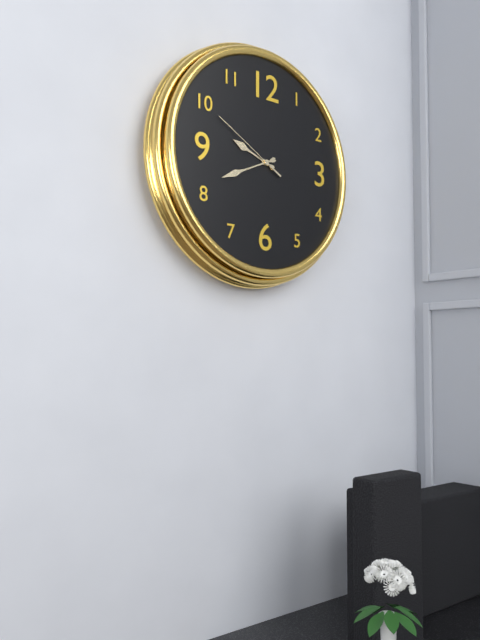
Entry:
h=9 m=41 s=50
